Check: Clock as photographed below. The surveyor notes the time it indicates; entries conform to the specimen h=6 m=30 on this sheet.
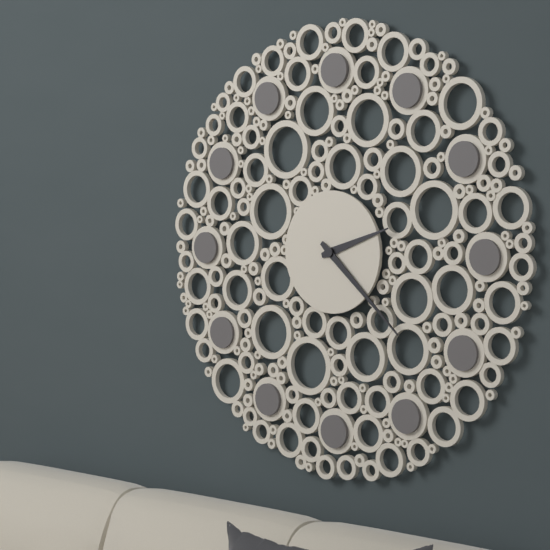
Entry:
h=2 m=22
